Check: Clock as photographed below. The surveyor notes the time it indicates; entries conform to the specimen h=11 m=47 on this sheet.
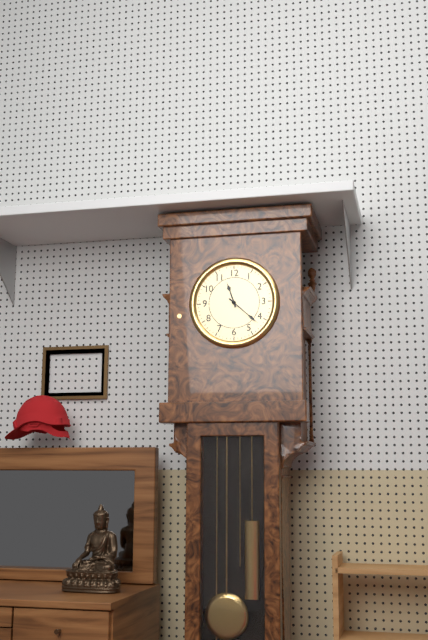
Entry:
h=11 m=22
